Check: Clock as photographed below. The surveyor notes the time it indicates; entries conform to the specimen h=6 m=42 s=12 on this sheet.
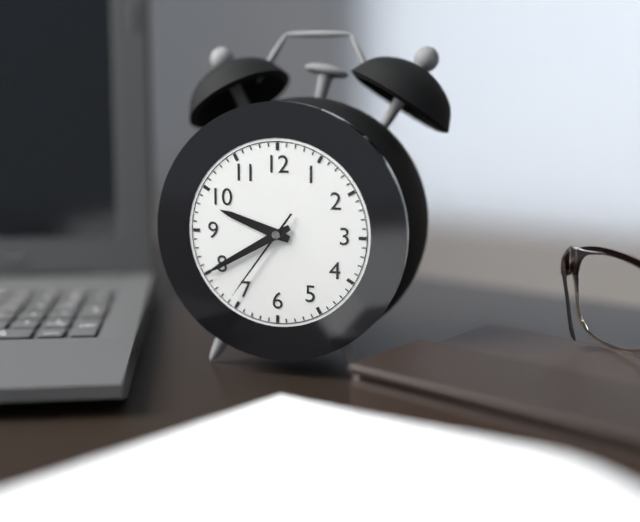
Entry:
h=9 m=40 s=36
